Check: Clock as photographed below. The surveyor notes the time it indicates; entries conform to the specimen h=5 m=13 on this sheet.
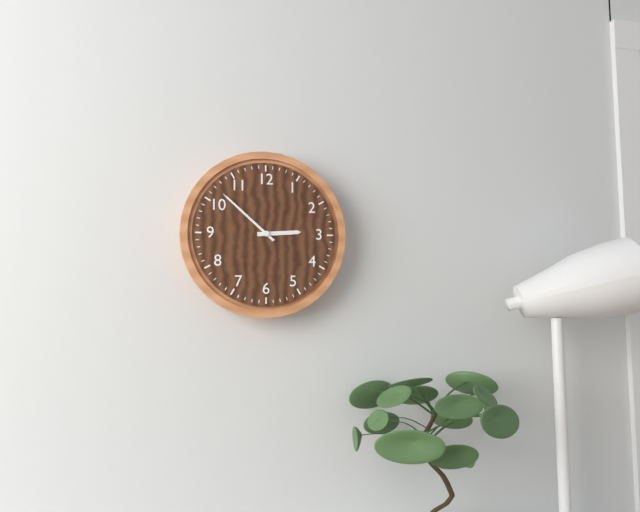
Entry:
h=2 m=52
